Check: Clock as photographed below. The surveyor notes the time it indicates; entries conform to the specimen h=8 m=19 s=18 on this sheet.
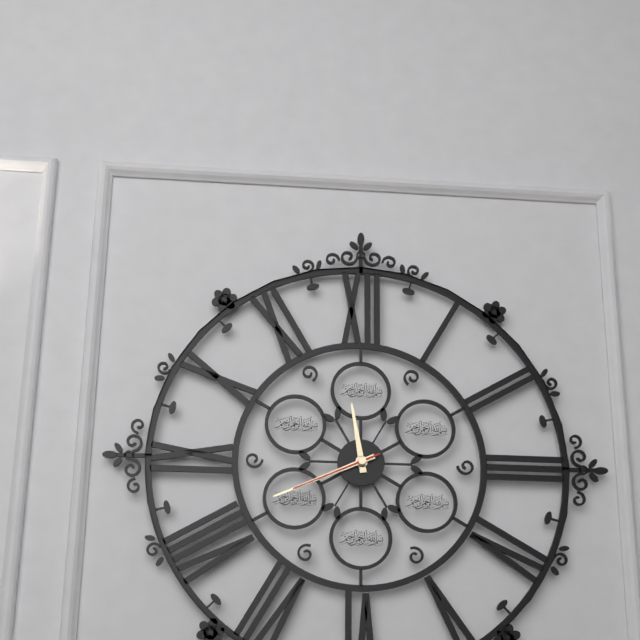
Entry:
h=11 m=41 s=41
